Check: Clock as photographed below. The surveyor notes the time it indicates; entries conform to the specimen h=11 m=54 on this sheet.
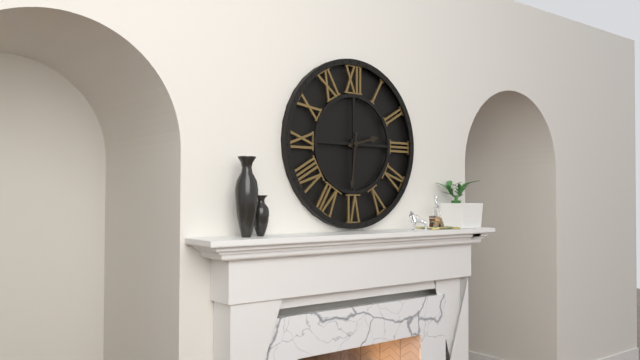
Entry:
h=2 m=31
